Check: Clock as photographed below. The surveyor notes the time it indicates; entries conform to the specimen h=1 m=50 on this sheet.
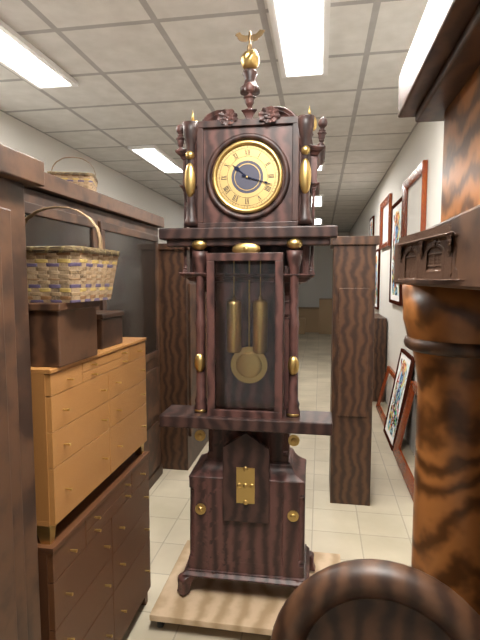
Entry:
h=10 m=18
